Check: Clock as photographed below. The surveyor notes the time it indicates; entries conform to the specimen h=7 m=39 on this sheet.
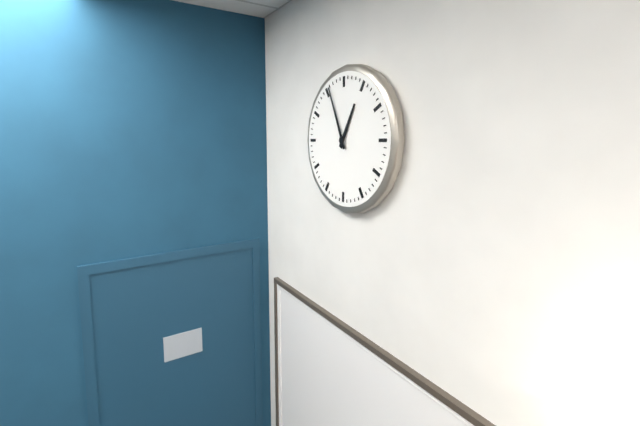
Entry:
h=12 m=56
